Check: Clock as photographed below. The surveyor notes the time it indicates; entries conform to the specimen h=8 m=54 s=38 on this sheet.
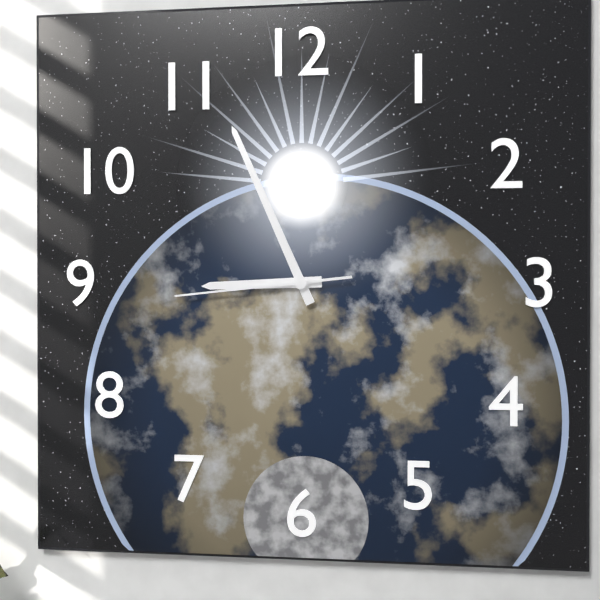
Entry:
h=8 m=56 s=44
